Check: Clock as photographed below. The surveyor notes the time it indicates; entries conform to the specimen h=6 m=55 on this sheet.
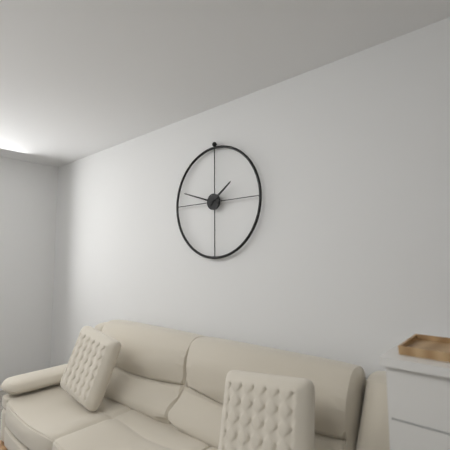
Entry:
h=1 m=48
